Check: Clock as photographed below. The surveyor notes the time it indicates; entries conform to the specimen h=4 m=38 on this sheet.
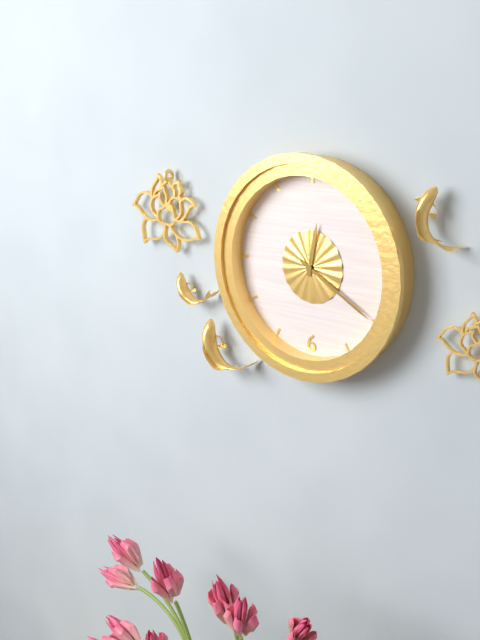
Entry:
h=12 m=20
